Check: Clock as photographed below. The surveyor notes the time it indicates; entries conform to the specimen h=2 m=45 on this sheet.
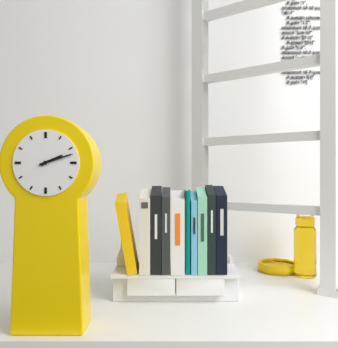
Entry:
h=2 m=12
